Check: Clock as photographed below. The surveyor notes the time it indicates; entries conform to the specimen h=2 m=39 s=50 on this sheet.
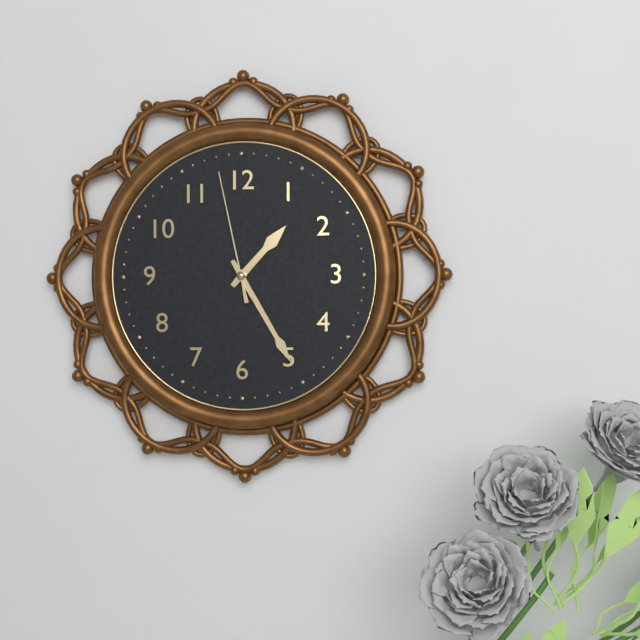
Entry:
h=1 m=25 s=58
